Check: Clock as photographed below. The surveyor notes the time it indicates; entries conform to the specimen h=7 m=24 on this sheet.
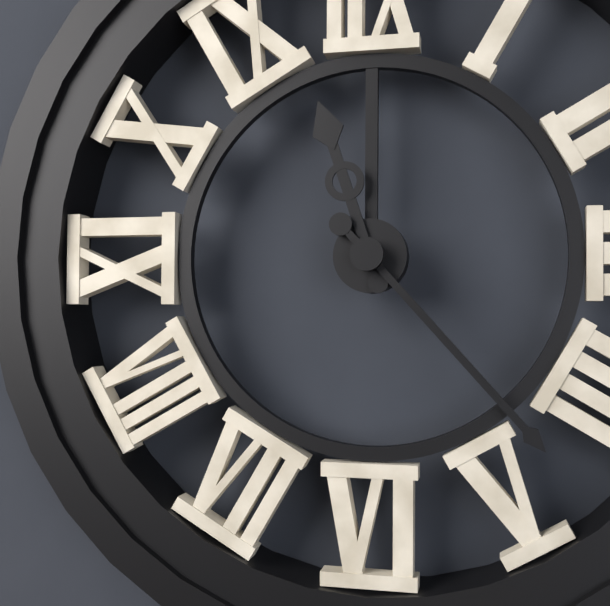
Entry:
h=11 m=23
